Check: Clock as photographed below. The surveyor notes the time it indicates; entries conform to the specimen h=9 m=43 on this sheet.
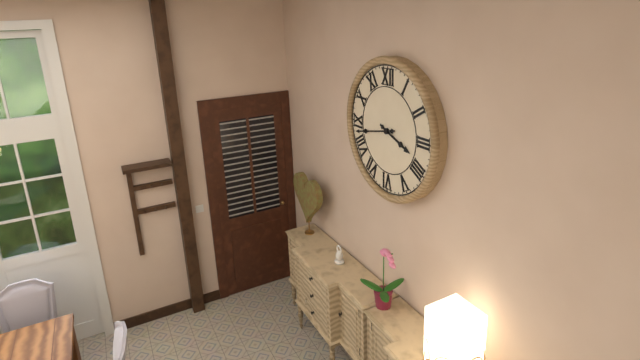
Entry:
h=3 m=43
